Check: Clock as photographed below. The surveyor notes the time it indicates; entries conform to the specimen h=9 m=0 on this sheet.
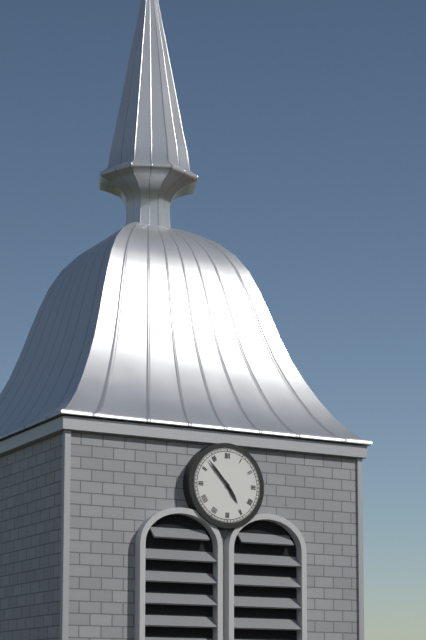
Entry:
h=4 m=53
